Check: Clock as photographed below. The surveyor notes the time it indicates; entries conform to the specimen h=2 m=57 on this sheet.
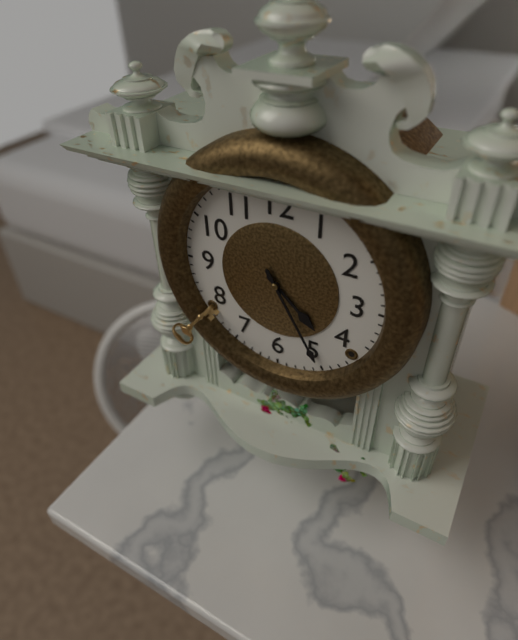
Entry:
h=4 m=25
